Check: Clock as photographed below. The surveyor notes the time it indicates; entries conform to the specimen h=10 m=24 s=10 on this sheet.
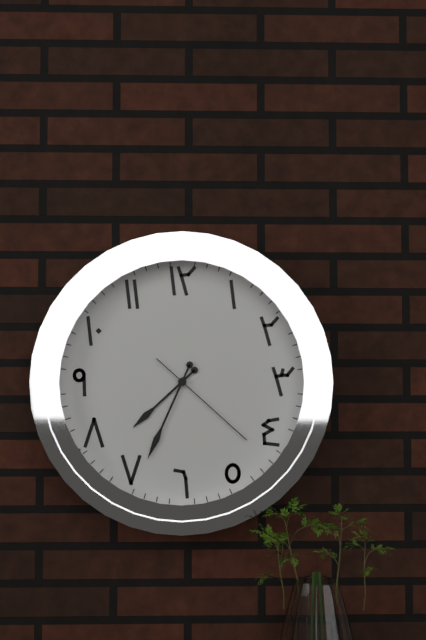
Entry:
h=7 m=34 s=22
